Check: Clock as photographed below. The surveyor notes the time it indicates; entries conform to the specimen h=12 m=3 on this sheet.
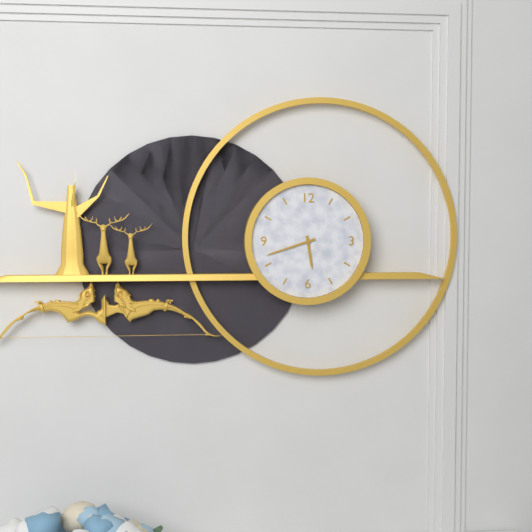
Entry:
h=5 m=42
